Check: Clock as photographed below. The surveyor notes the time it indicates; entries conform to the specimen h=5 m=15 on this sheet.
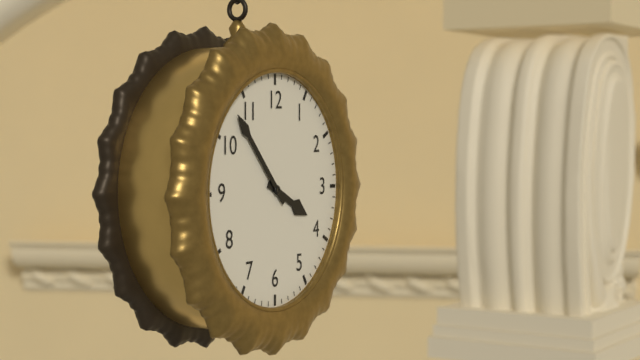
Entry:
h=3 m=53
